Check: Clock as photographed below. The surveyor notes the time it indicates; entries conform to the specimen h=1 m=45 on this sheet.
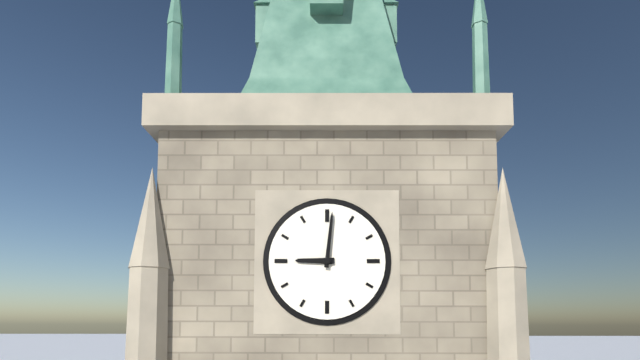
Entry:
h=9 m=1
